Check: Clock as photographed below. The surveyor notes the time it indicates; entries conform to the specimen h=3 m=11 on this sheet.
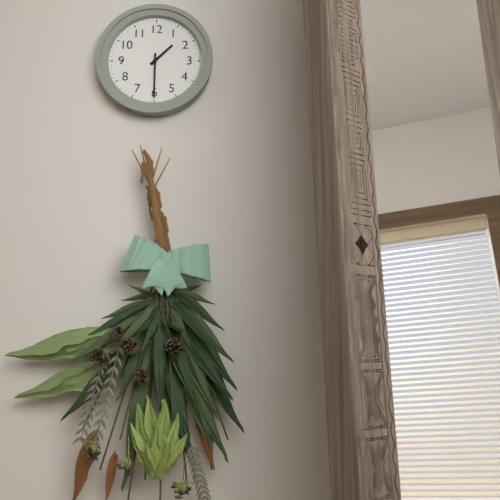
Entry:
h=1 m=30
